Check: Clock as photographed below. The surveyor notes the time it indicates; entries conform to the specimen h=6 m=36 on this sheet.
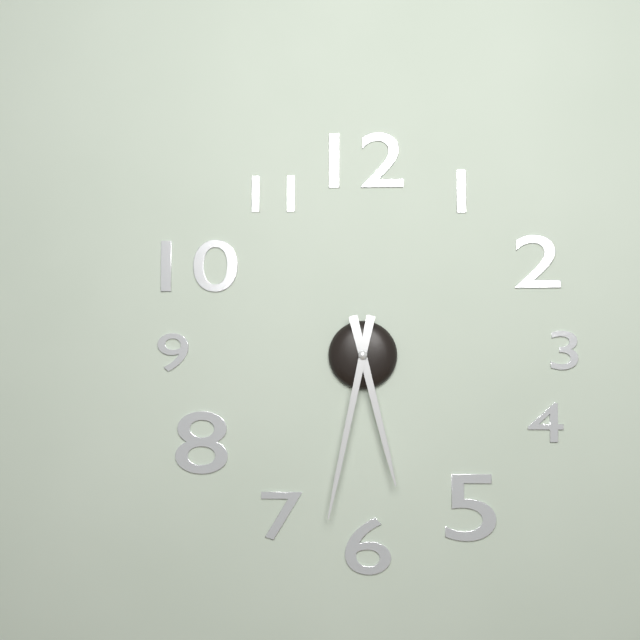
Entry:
h=5 m=32
